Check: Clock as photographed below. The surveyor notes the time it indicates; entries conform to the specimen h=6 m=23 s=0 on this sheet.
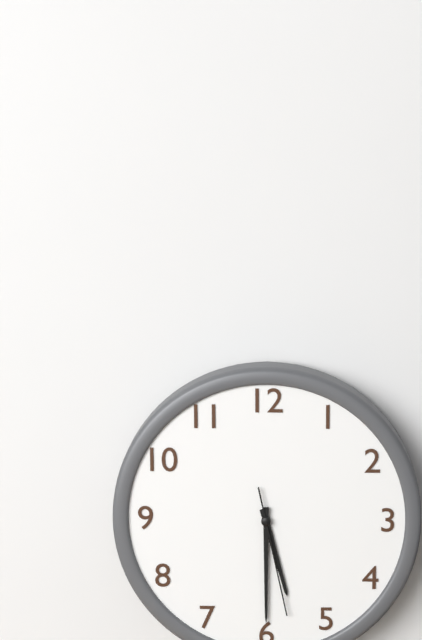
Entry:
h=5 m=30 s=28
